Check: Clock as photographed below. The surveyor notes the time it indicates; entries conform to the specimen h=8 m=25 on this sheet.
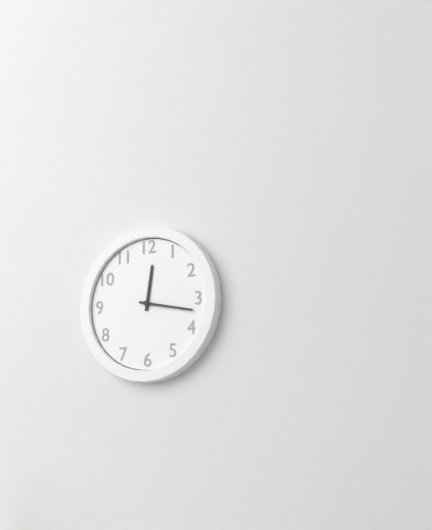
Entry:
h=12 m=17
